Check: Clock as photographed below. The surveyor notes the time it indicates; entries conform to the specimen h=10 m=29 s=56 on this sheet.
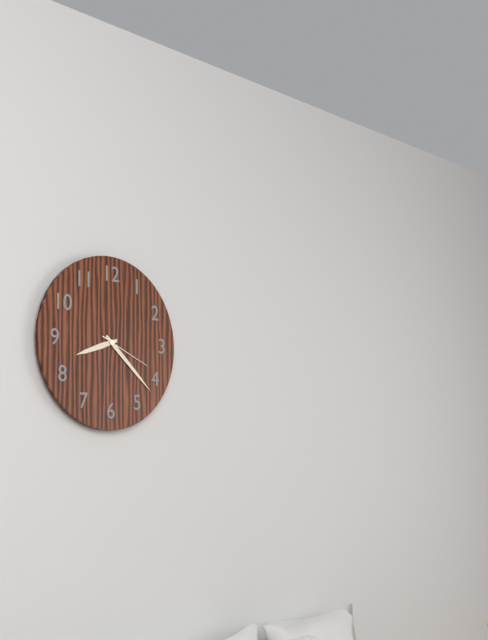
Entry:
h=8 m=22 s=19
